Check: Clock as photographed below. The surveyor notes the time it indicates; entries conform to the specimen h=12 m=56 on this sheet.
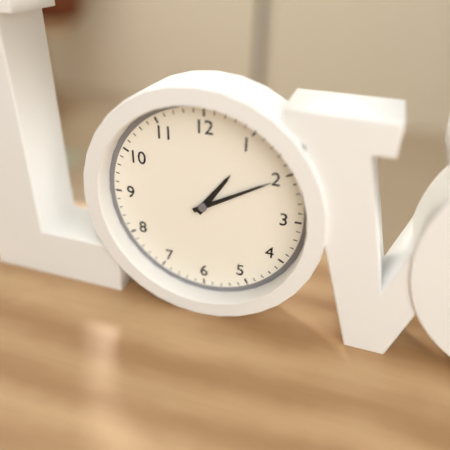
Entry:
h=1 m=10
